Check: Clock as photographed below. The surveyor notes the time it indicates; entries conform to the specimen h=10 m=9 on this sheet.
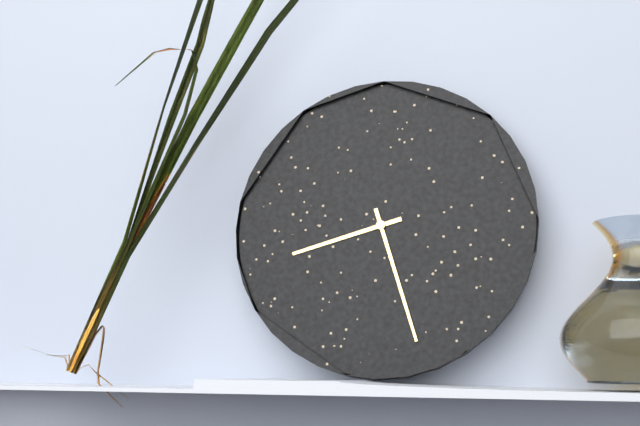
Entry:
h=8 m=27
